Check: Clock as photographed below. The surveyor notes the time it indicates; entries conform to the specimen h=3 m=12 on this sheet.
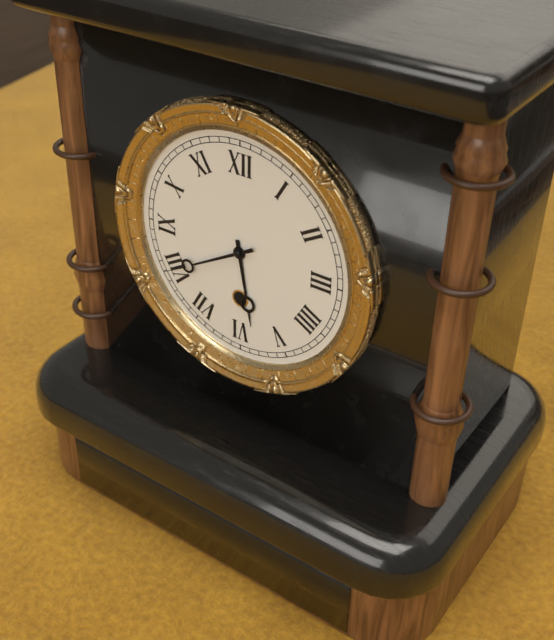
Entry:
h=5 m=40
